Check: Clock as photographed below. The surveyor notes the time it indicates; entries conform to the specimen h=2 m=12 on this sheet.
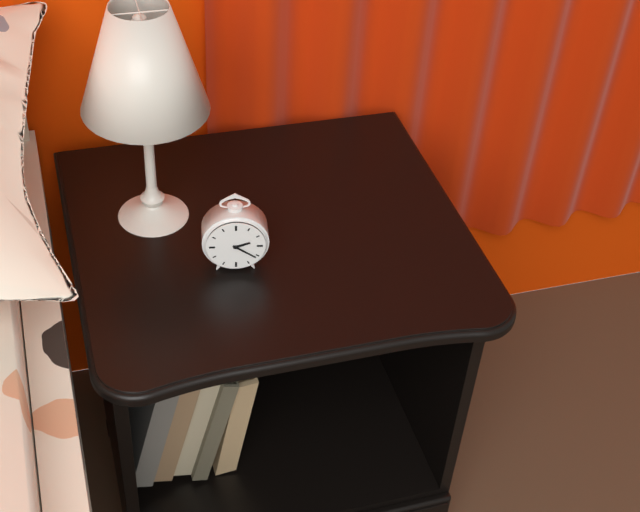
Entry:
h=2 m=21
